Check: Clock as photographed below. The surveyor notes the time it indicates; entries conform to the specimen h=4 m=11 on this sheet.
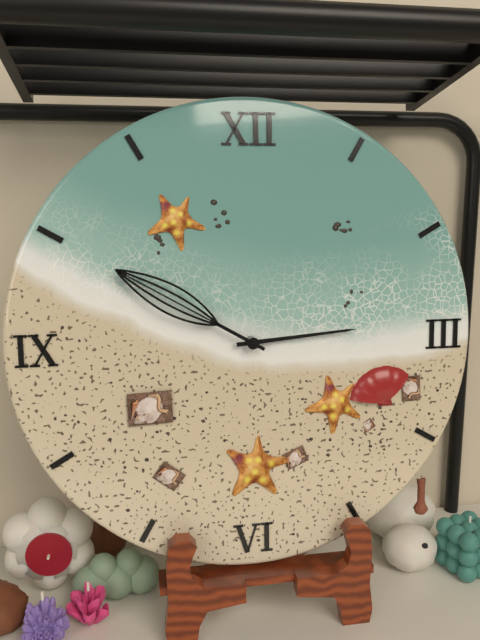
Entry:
h=2 m=50
